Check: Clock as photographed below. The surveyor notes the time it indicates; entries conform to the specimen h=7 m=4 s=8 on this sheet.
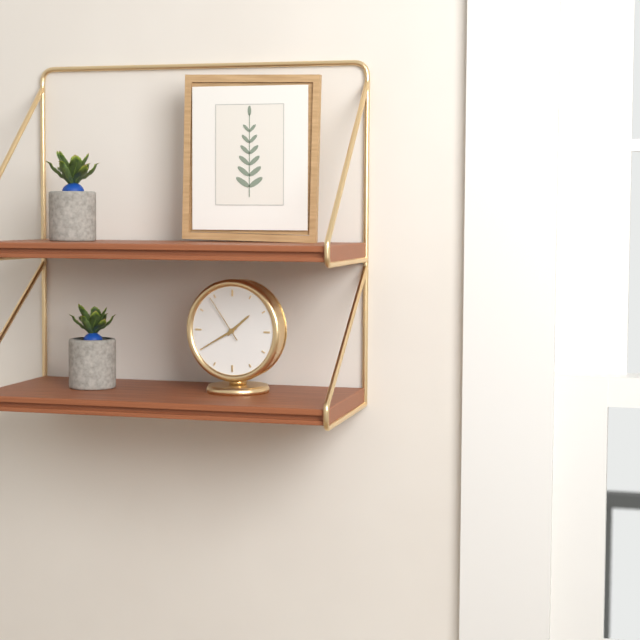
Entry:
h=1 m=40 s=54
